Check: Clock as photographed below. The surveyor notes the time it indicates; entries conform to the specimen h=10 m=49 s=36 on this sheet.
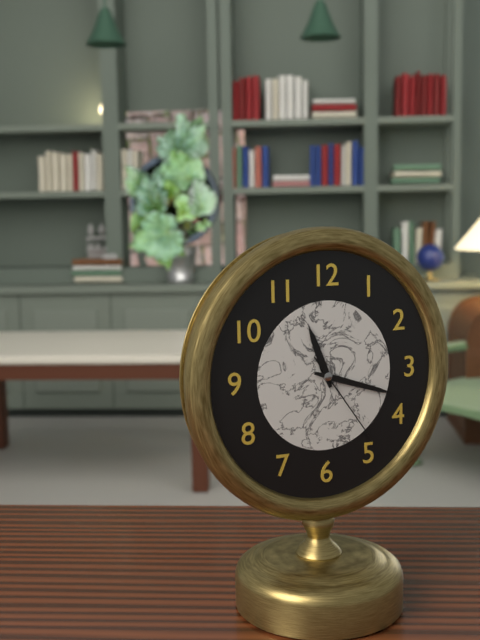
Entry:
h=11 m=18 s=24
